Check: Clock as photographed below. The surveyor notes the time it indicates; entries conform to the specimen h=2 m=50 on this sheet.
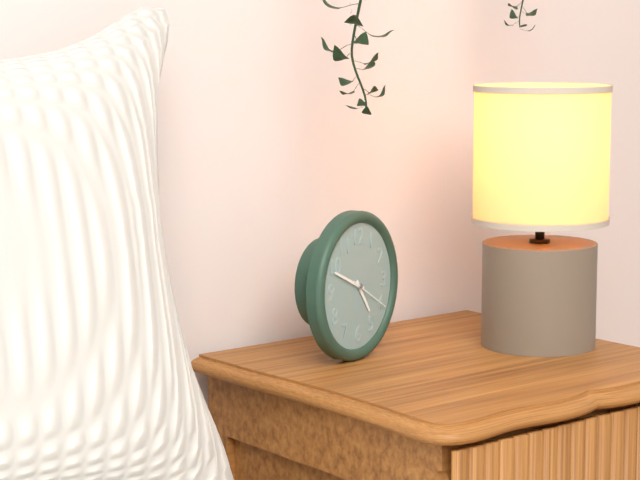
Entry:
h=4 m=49
